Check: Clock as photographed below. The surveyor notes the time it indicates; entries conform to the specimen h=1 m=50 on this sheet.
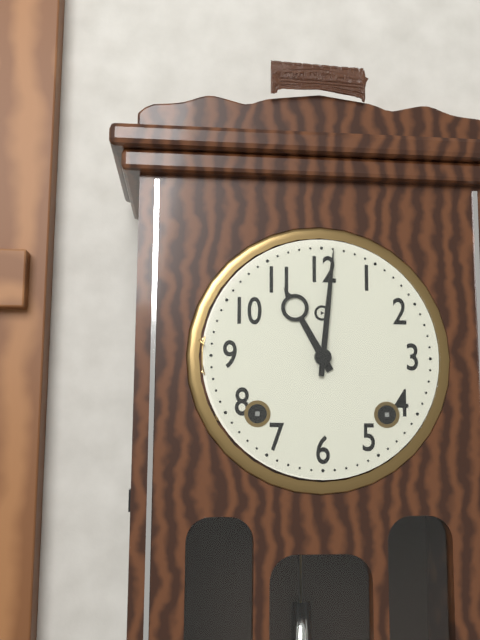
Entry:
h=11 m=1
